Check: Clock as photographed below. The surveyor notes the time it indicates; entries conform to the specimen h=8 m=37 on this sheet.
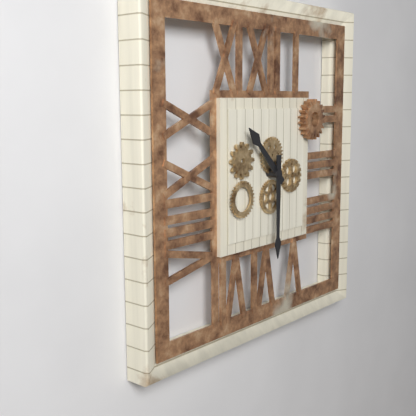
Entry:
h=10 m=30
